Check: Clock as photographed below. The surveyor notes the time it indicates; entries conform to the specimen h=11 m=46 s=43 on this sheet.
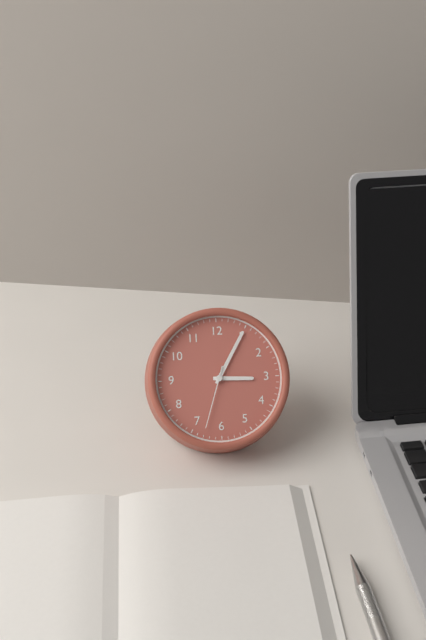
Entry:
h=3 m=5 s=33
